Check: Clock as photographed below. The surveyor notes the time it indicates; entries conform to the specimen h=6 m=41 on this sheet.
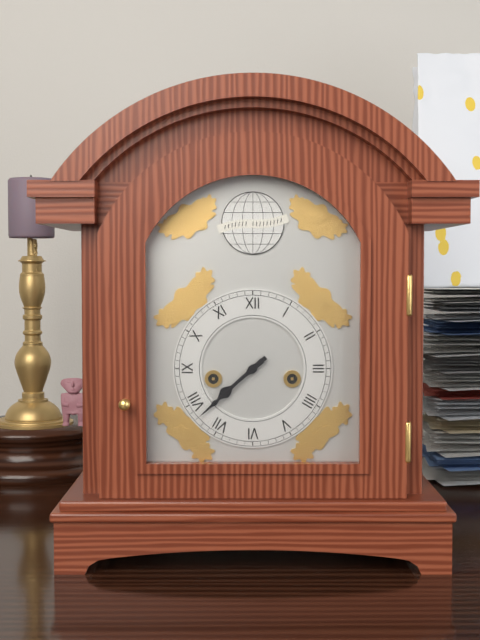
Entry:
h=7 m=38
